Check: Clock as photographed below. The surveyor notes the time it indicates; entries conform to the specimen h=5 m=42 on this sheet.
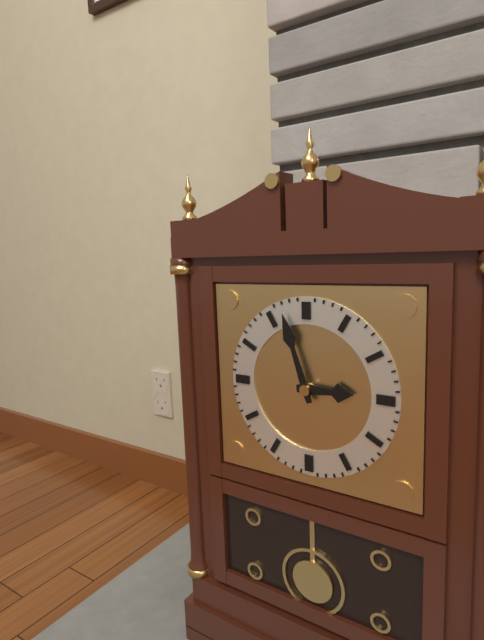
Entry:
h=2 m=57
